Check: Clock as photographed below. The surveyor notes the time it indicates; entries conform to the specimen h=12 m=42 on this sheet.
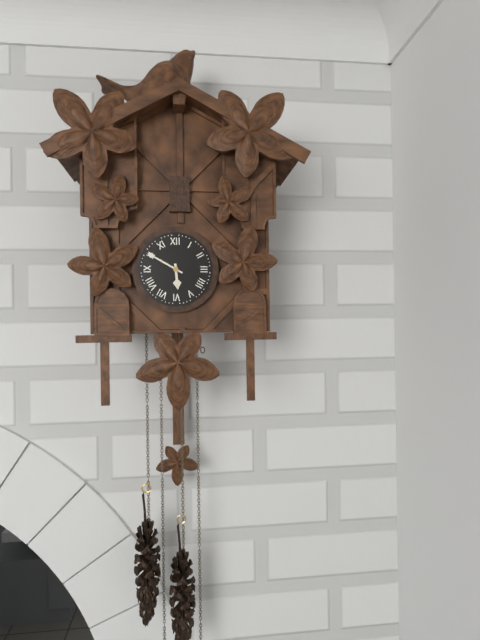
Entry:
h=5 m=50
